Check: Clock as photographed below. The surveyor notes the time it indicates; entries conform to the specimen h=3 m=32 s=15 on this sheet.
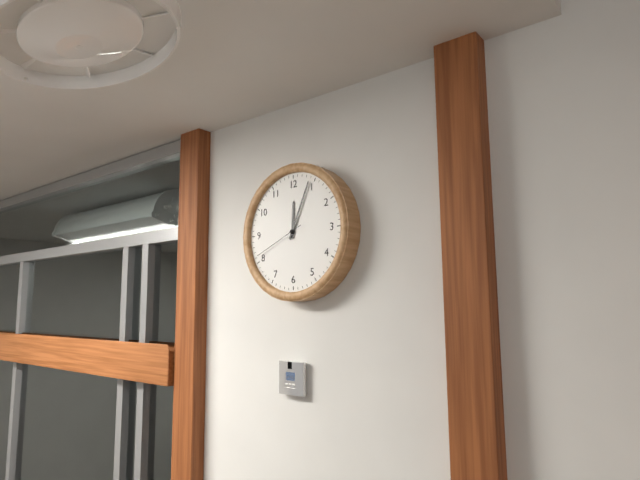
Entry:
h=12 m=4 s=41
